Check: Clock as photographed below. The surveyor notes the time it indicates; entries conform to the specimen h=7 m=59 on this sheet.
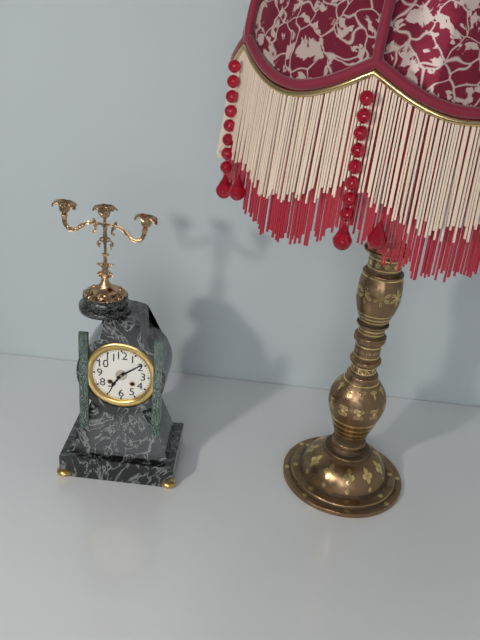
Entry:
h=7 m=9
